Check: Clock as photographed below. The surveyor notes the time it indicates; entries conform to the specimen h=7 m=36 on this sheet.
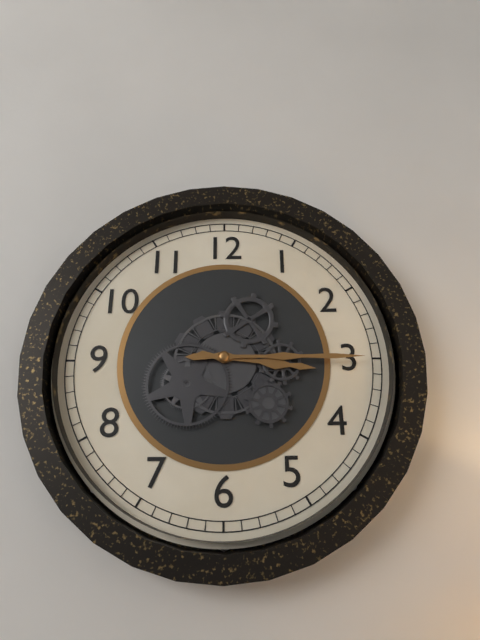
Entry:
h=3 m=15
